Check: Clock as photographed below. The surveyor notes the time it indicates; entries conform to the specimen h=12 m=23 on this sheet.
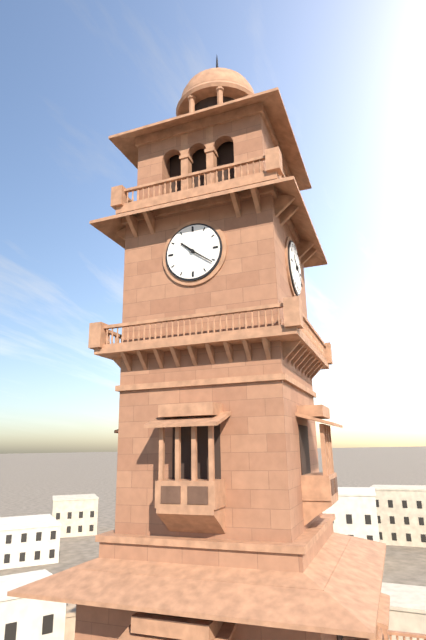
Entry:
h=10 m=21
